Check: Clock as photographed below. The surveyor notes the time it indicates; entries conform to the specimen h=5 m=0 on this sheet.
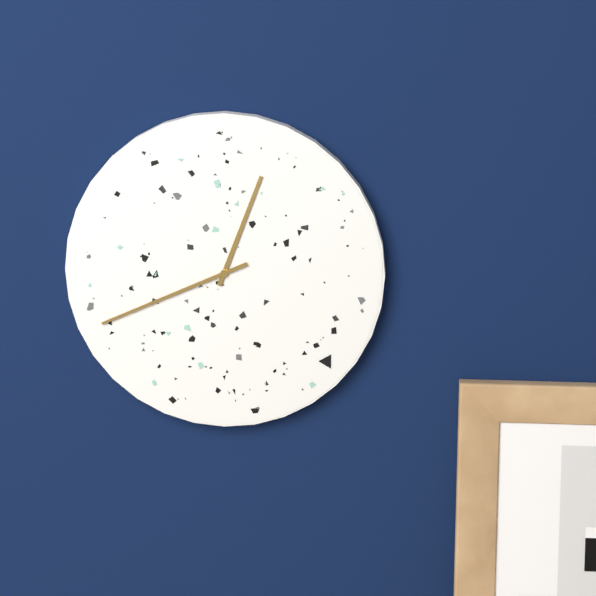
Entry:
h=12 m=41
